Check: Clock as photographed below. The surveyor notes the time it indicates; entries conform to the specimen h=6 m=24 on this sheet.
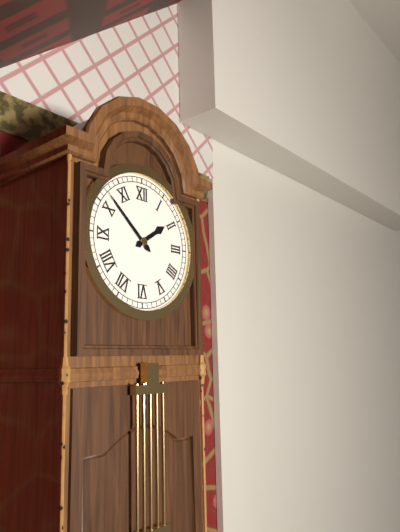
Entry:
h=1 m=52
